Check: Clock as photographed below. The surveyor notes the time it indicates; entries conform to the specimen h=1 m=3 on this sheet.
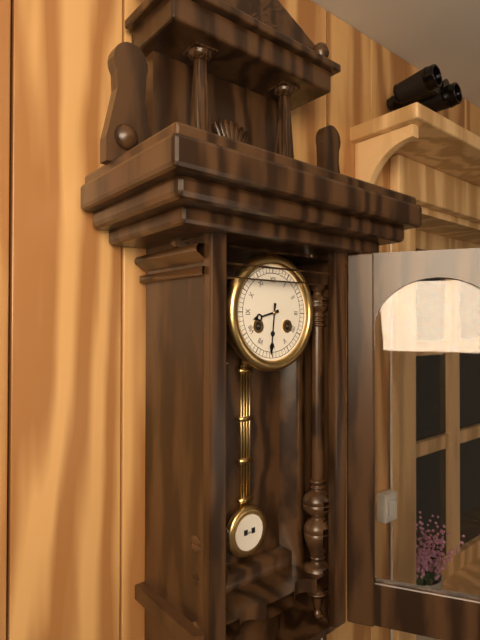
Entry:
h=8 m=31
